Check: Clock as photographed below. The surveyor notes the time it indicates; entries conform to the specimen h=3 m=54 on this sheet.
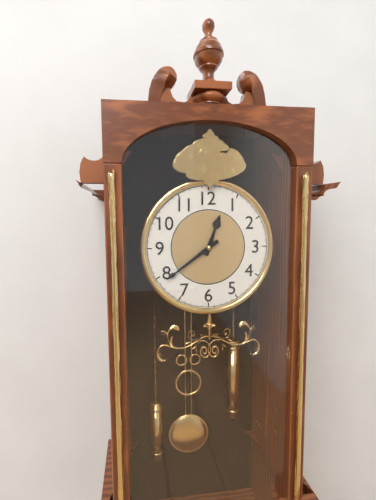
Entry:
h=12 m=39
